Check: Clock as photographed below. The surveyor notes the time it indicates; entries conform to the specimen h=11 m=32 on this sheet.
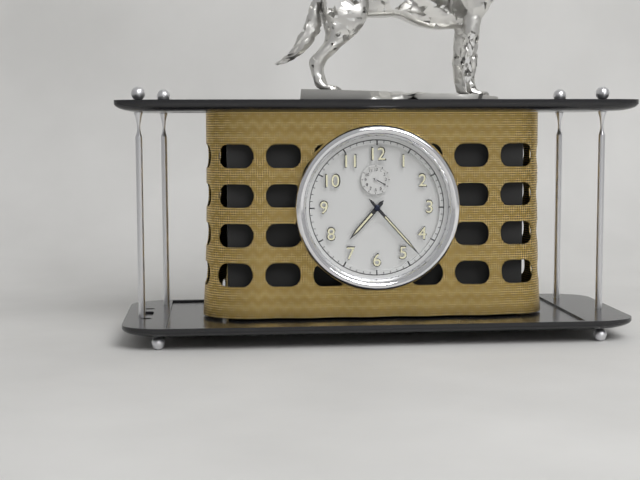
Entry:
h=7 m=23
